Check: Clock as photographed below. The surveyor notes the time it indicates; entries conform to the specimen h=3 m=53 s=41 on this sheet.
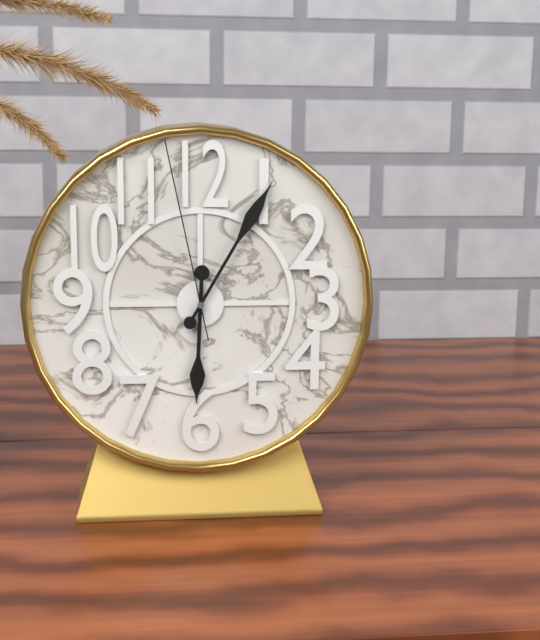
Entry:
h=6 m=5 s=58
